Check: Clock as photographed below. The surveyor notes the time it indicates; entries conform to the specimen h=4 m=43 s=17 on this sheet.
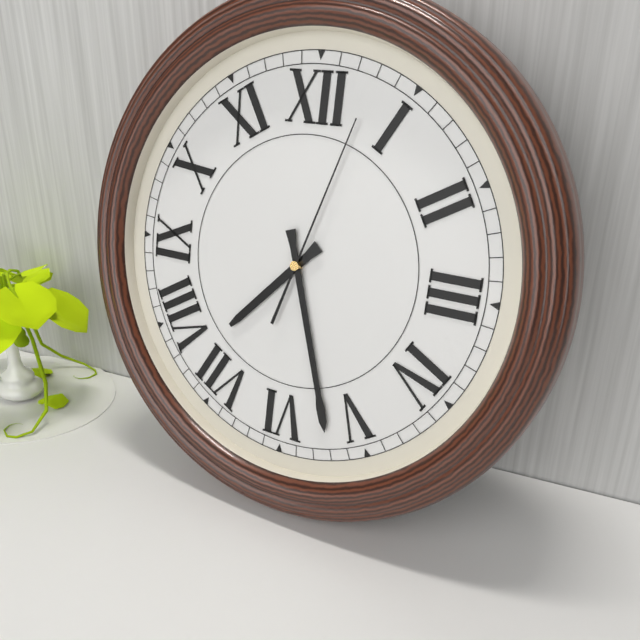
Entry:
h=7 m=27 s=3
